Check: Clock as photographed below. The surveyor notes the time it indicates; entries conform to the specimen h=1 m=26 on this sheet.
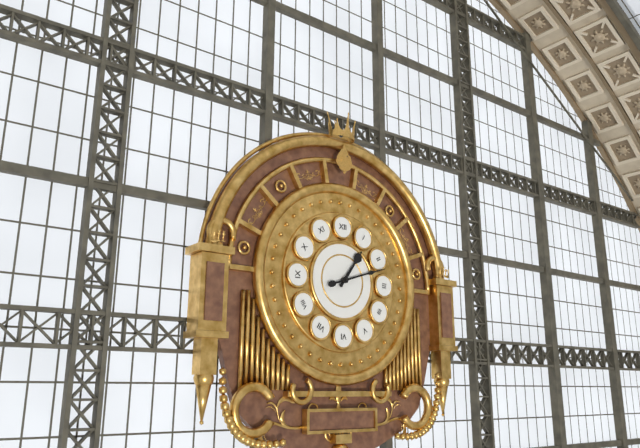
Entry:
h=1 m=12
